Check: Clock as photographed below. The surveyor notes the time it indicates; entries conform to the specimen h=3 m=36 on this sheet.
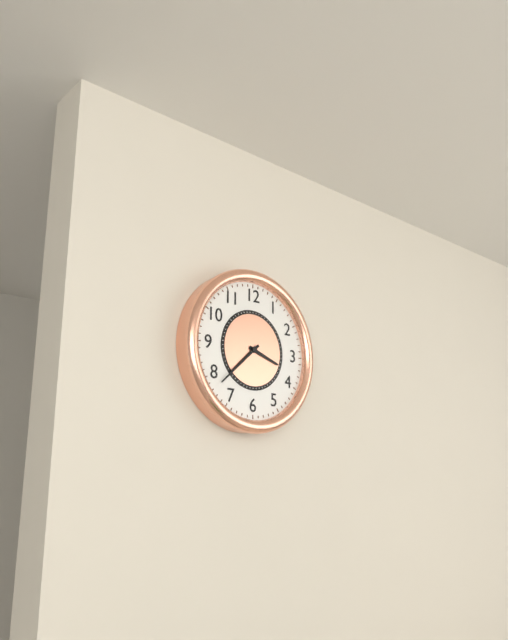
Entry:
h=3 m=38
